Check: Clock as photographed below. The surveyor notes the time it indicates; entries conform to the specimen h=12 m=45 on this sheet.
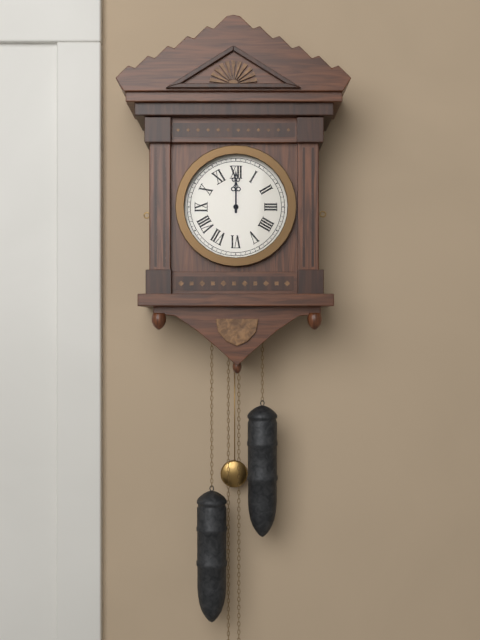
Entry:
h=12 m=0
